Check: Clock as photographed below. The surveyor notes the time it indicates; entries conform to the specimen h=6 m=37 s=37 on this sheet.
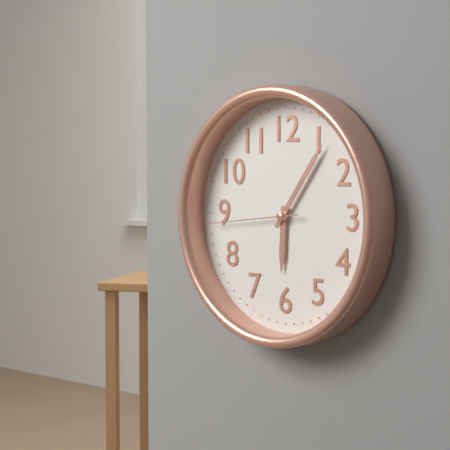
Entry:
h=6 m=6 s=44
